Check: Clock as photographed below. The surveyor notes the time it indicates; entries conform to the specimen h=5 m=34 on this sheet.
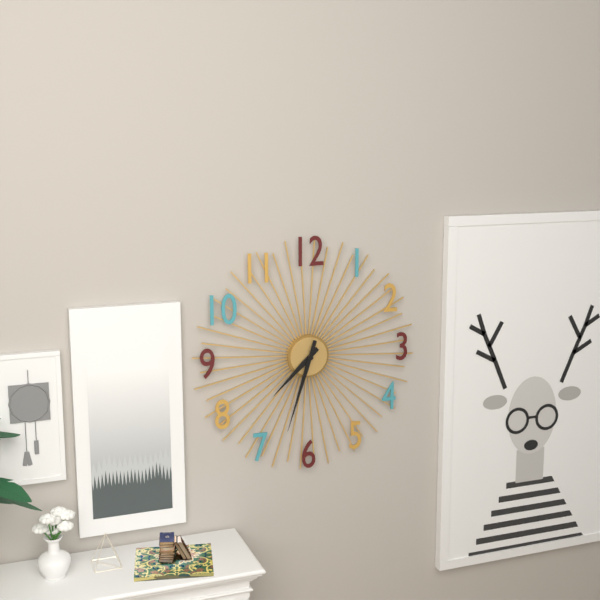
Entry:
h=7 m=33
